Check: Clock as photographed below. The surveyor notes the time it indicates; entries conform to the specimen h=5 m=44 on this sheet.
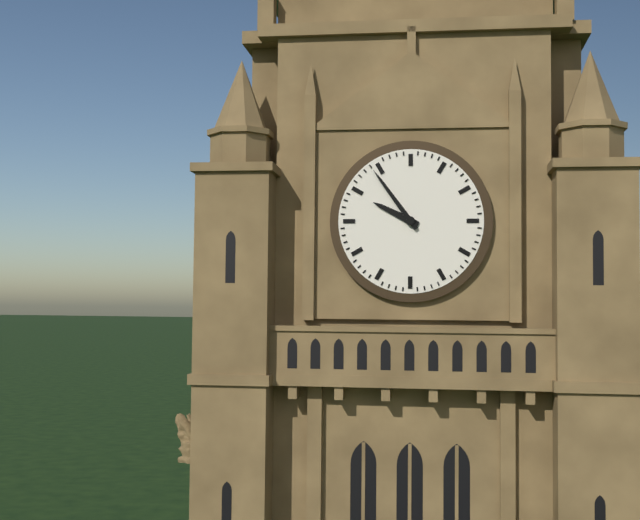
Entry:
h=9 m=54
